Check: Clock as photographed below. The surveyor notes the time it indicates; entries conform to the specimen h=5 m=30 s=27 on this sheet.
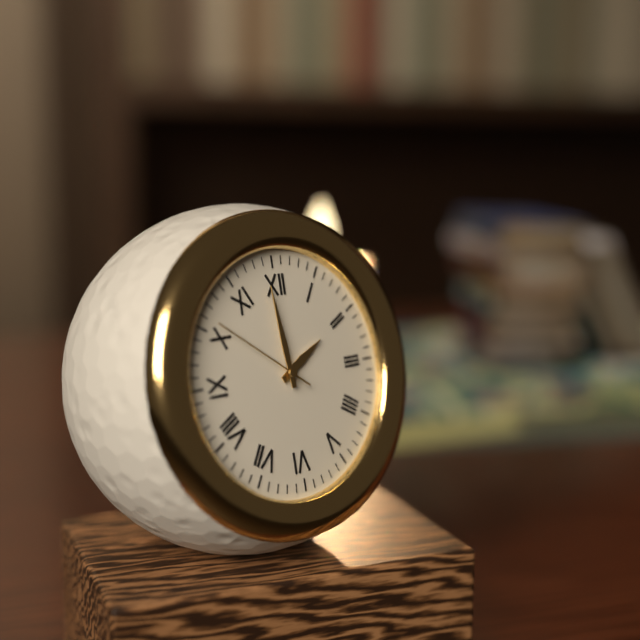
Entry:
h=1 m=59 s=51
